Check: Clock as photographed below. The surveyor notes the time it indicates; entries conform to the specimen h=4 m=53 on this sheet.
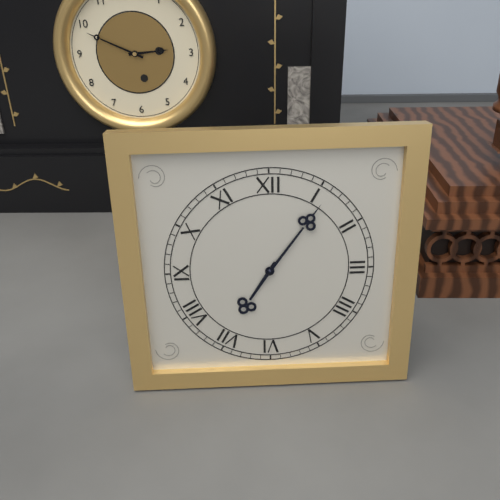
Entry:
h=7 m=6
